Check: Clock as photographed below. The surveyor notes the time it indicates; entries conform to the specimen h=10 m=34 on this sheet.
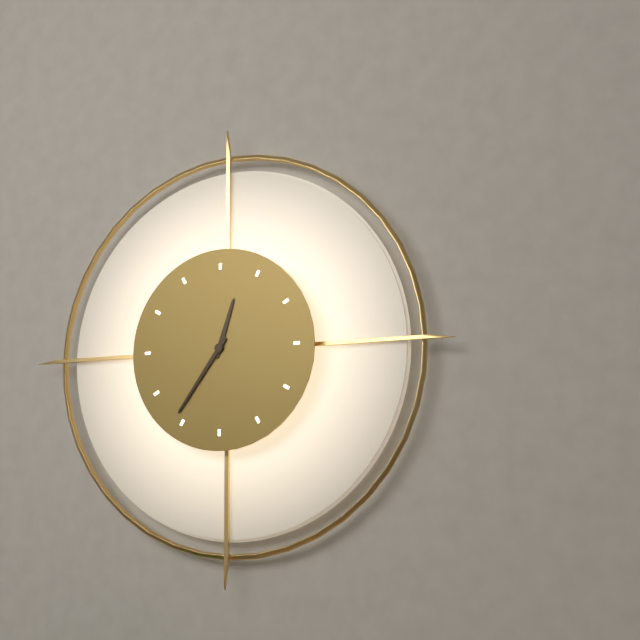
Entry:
h=12 m=36
